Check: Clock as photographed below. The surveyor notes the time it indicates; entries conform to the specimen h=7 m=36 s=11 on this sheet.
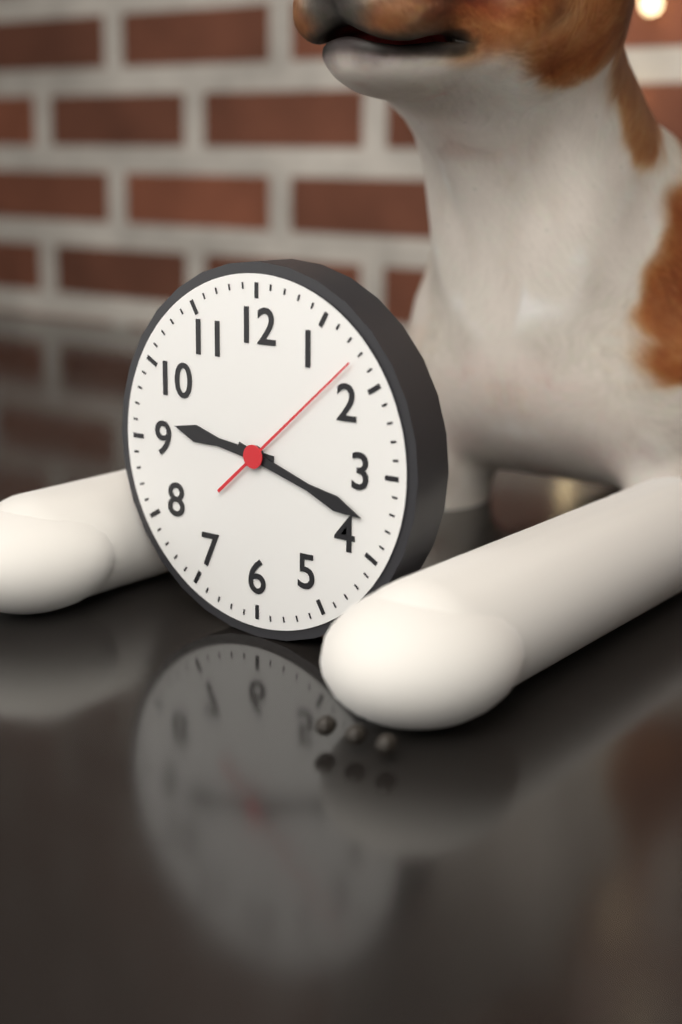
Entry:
h=9 m=18 s=8
